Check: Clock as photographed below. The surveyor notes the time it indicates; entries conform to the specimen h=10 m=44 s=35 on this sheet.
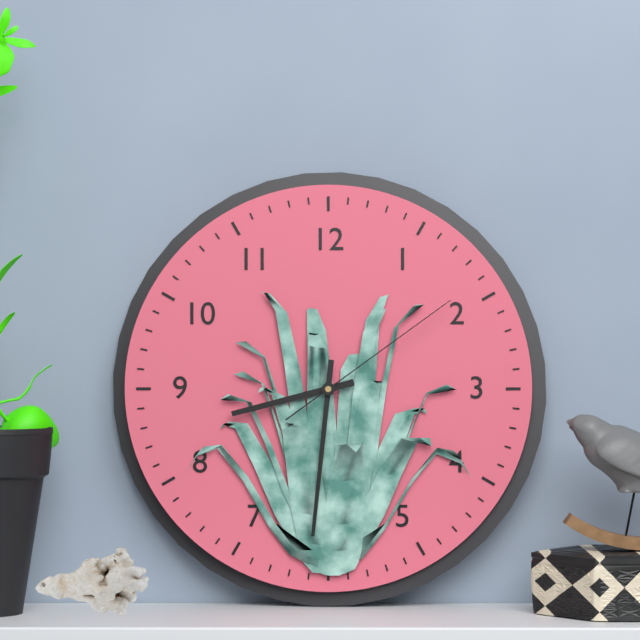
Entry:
h=8 m=31 s=9
